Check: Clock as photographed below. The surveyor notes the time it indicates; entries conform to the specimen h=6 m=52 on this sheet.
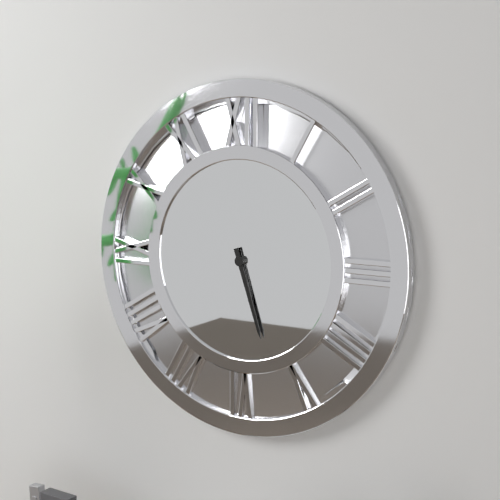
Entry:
h=5 m=27
